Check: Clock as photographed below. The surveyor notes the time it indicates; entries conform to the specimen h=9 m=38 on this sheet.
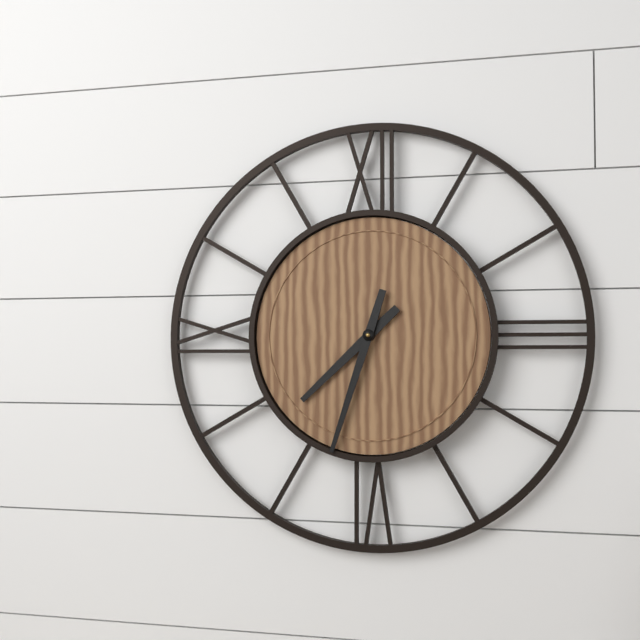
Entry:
h=7 m=33
